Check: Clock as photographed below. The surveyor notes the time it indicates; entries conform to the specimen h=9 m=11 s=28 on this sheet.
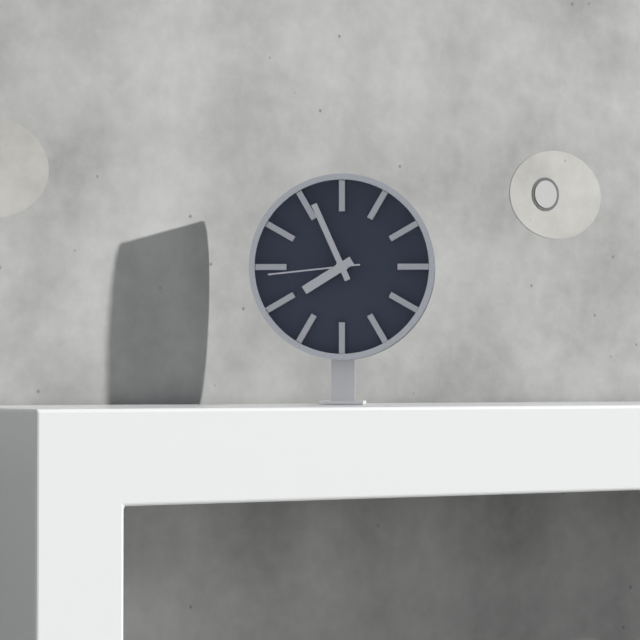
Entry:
h=7 m=56 s=44
